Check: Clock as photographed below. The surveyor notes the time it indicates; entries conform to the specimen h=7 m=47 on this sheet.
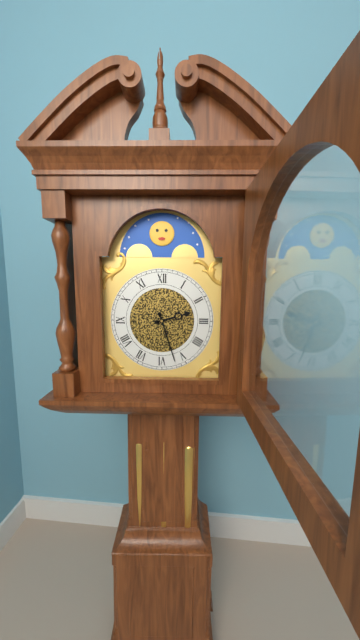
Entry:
h=2 m=27
